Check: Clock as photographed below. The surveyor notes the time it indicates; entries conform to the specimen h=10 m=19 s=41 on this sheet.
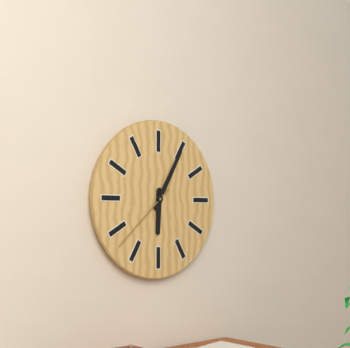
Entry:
h=6 m=5 s=38
